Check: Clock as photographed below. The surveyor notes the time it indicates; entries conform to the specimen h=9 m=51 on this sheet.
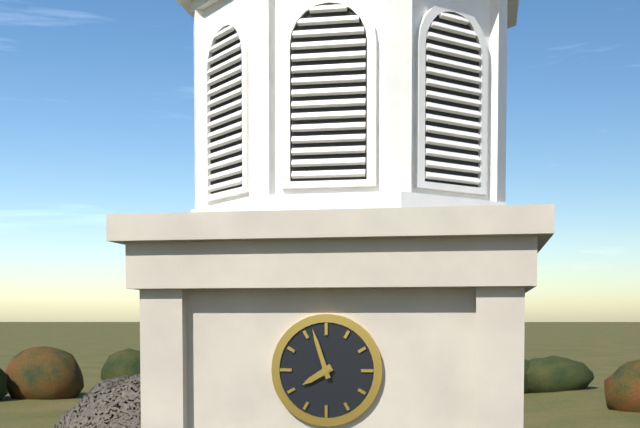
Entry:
h=7 m=57
